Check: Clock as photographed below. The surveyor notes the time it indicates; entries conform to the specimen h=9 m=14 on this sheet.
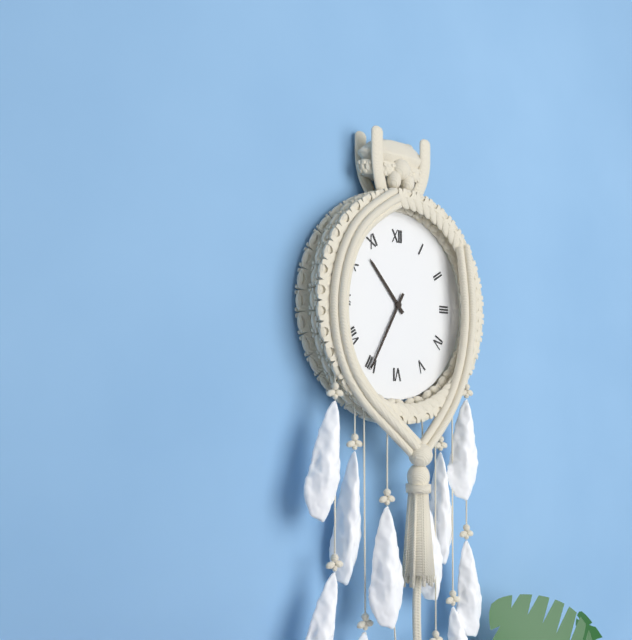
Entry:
h=10 m=35
